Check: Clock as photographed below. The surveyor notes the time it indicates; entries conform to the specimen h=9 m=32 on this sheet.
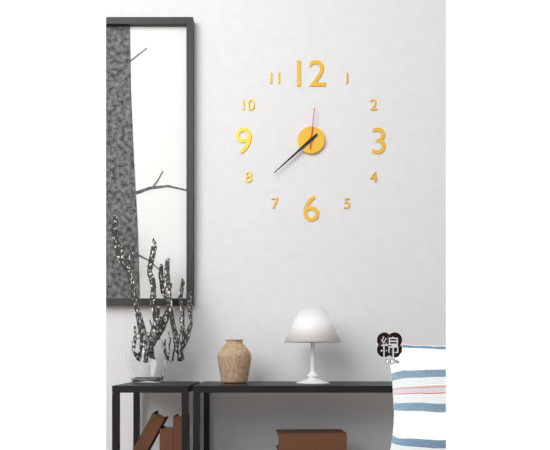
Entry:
h=7 m=38
